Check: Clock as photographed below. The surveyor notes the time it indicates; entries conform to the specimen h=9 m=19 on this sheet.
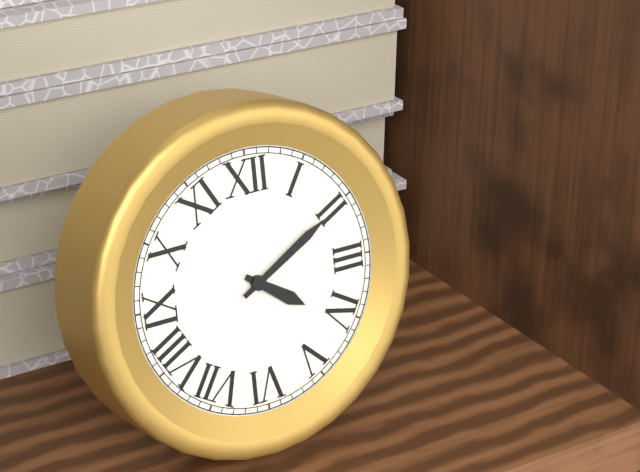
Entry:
h=4 m=10
